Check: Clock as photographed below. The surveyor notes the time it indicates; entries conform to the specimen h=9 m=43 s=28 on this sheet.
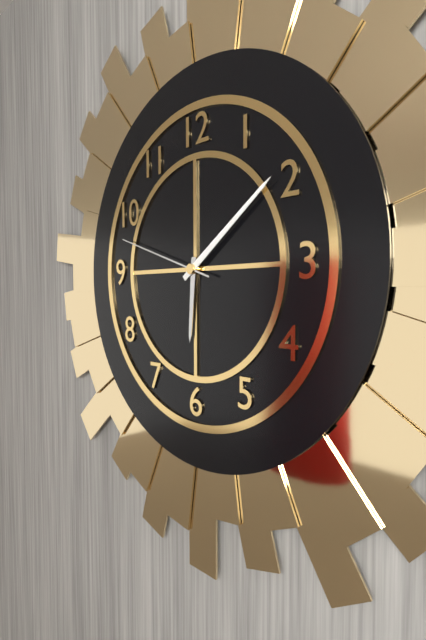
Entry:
h=6 m=9 s=48
